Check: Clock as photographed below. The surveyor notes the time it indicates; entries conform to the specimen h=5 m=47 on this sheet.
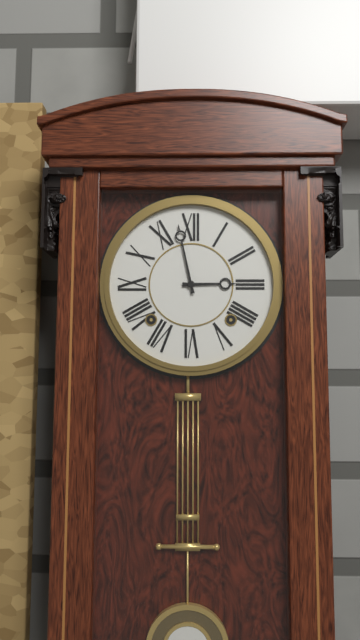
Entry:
h=2 m=58
